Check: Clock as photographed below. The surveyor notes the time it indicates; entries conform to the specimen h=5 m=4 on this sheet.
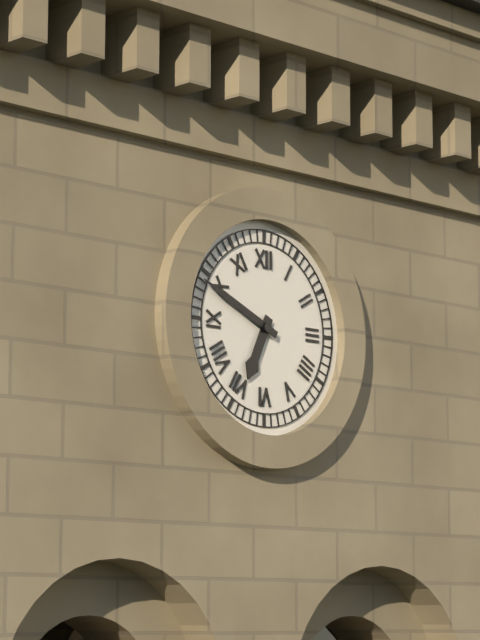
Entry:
h=6 m=49
